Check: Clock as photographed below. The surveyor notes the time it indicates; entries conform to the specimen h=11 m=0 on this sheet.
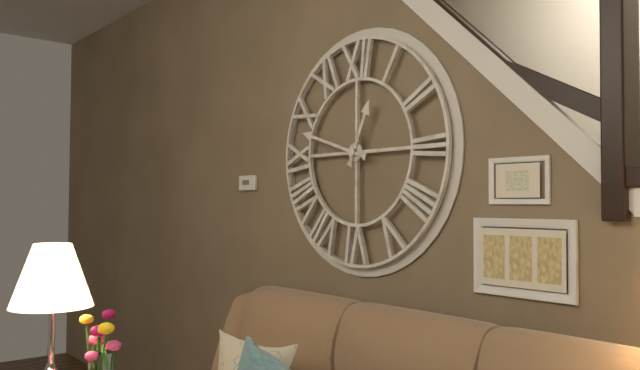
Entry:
h=12 m=48
